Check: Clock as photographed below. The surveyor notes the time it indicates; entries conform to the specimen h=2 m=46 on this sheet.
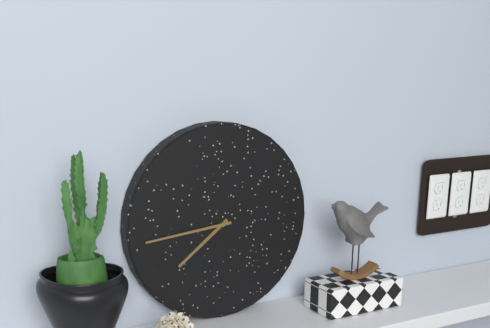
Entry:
h=7 m=44
